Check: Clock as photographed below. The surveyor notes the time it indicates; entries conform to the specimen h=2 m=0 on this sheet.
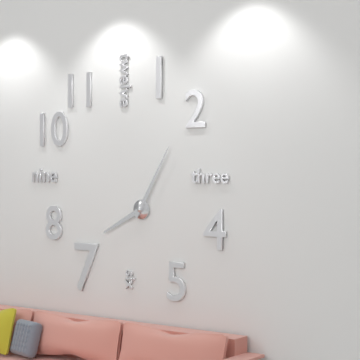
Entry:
h=8 m=5
